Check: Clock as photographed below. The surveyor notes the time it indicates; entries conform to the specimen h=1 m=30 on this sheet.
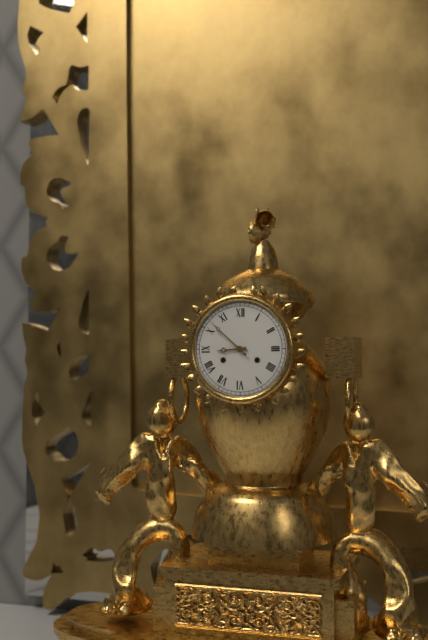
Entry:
h=8 m=52
